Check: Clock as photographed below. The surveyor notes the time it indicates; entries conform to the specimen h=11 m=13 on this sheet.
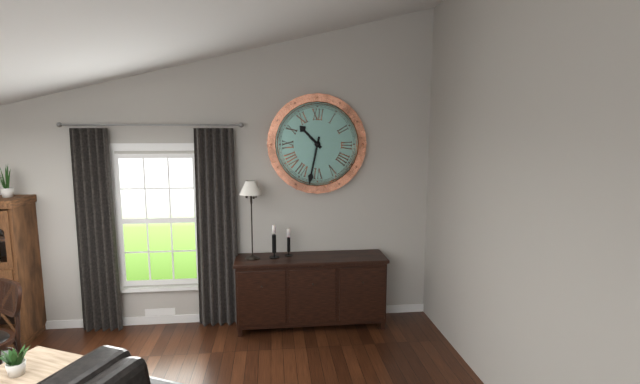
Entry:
h=10 m=32
